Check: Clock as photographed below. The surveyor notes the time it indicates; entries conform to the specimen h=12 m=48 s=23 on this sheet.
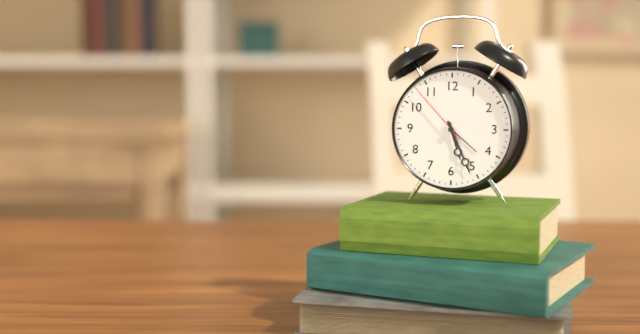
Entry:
h=5 m=26 s=53
